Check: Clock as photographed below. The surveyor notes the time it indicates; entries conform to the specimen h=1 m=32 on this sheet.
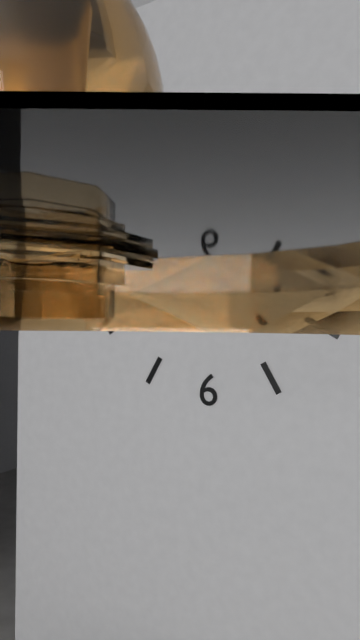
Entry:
h=8 m=22
